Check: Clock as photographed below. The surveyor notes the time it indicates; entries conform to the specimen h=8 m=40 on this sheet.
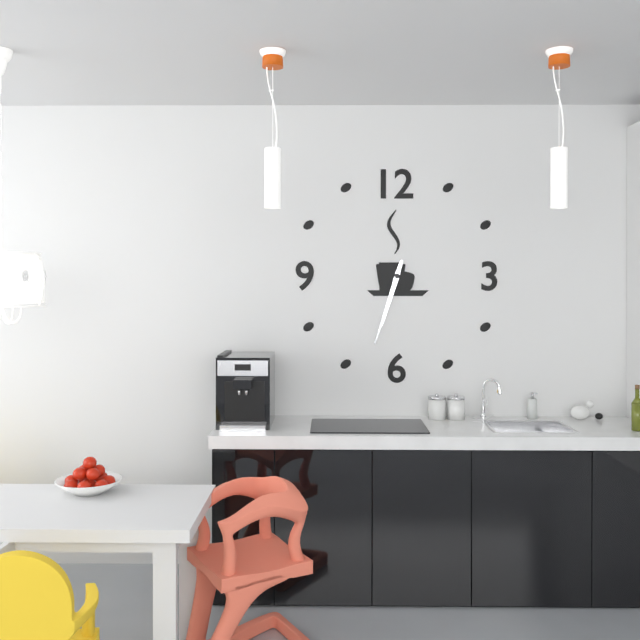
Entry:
h=6 m=33
